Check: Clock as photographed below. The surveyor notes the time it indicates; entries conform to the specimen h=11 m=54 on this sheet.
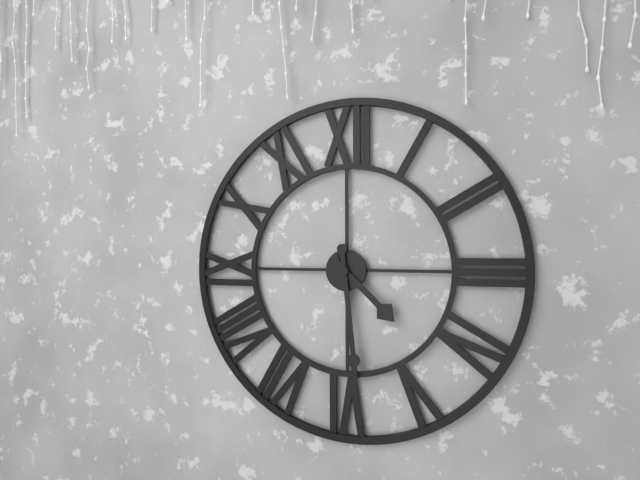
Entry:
h=4 m=29
